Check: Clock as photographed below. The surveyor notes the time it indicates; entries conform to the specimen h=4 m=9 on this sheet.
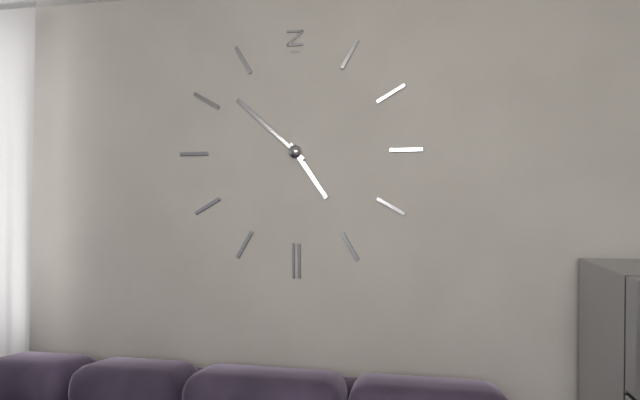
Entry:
h=4 m=52
